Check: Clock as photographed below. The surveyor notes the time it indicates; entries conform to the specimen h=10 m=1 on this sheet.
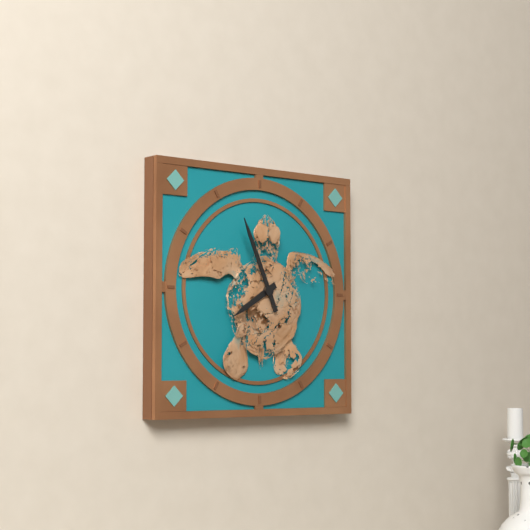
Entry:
h=7 m=56
